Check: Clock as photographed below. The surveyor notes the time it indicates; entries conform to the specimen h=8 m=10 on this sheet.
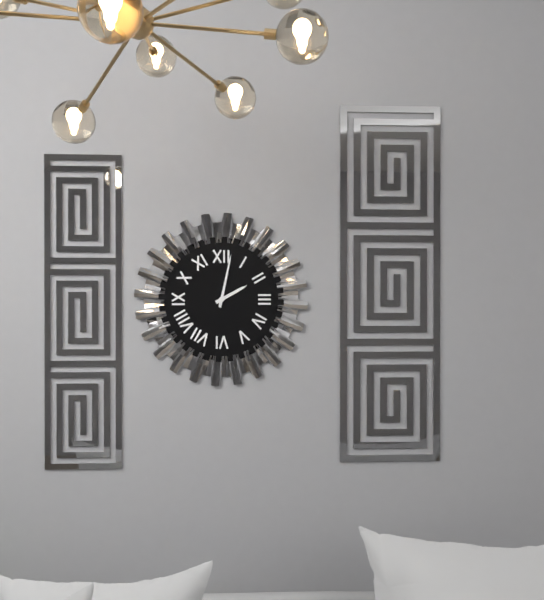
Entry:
h=2 m=2
